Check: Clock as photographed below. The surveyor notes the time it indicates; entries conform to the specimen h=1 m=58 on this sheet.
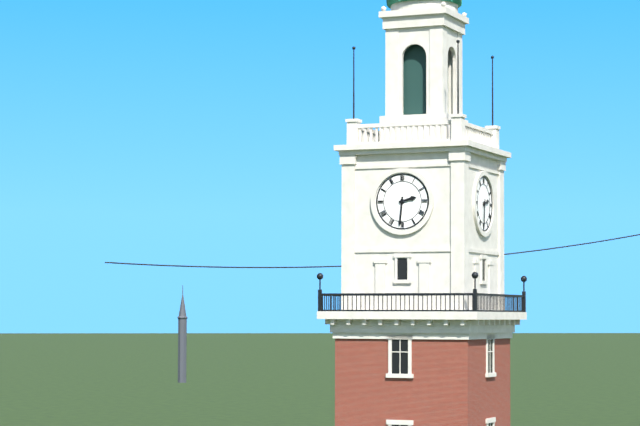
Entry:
h=2 m=31
